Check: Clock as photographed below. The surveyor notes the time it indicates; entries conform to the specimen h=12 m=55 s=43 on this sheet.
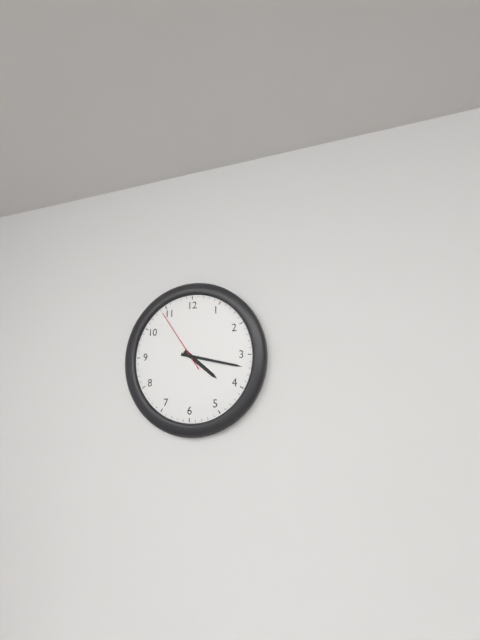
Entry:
h=4 m=17 s=54
